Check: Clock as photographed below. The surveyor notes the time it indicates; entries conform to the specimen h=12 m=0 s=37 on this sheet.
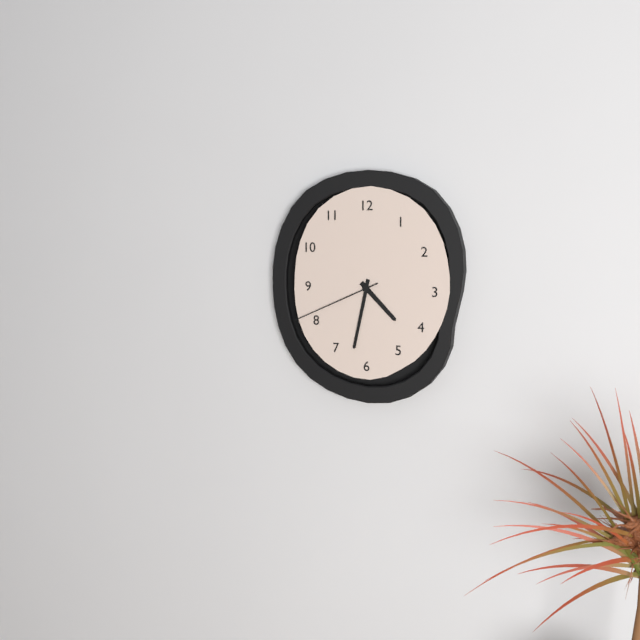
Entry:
h=4 m=32 s=41
